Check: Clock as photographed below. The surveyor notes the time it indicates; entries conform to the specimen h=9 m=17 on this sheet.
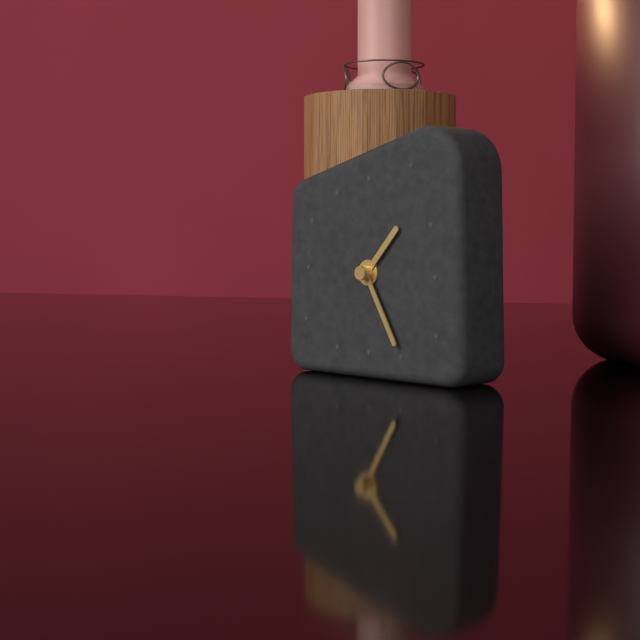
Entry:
h=1 m=25
